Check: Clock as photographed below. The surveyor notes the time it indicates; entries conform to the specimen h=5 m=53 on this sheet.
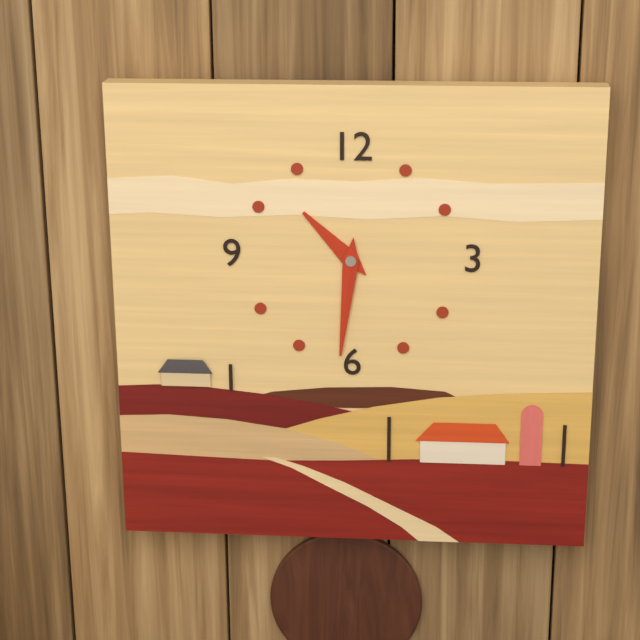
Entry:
h=10 m=31
